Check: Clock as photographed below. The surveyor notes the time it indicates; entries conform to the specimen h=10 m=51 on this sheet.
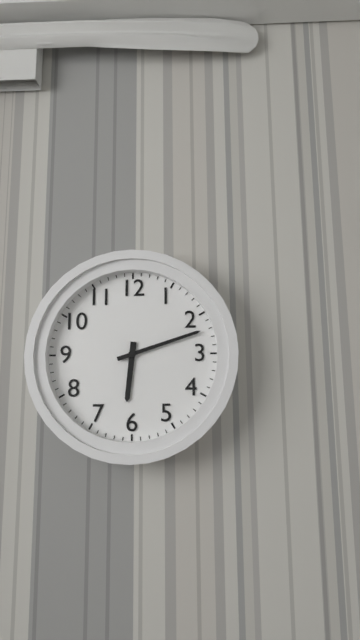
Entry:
h=6 m=12
